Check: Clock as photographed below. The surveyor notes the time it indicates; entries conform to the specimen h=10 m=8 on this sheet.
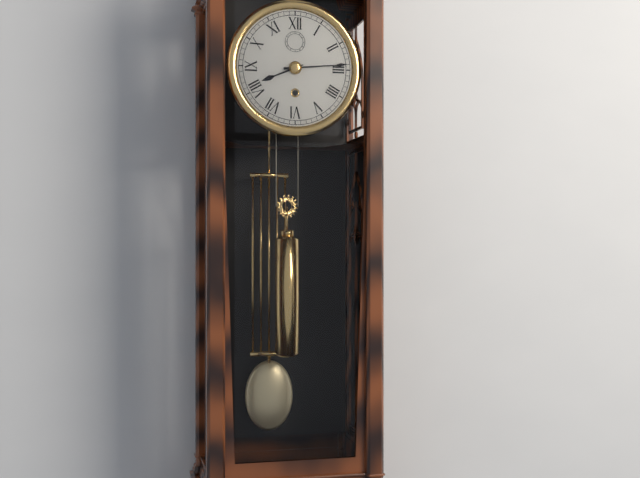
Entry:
h=8 m=14
